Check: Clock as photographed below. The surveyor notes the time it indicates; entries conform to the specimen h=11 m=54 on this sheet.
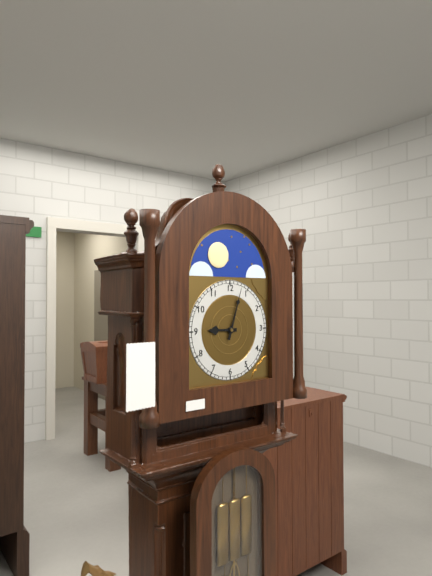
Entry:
h=9 m=3
